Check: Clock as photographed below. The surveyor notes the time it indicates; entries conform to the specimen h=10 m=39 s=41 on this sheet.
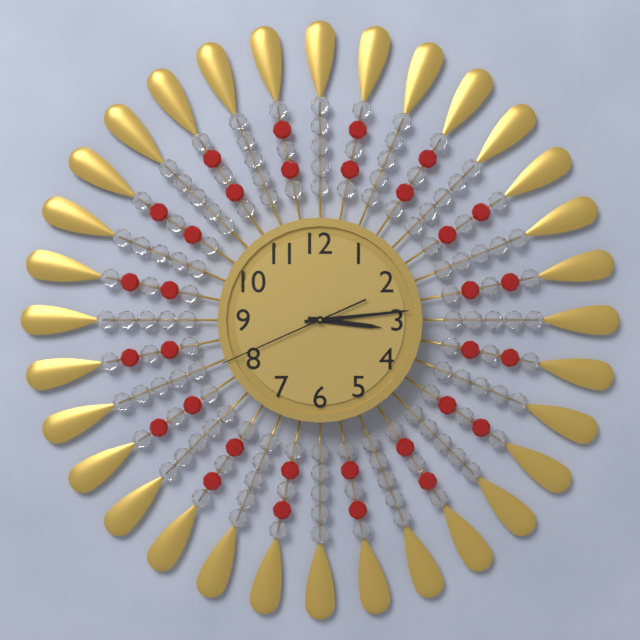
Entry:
h=3 m=14 s=41
